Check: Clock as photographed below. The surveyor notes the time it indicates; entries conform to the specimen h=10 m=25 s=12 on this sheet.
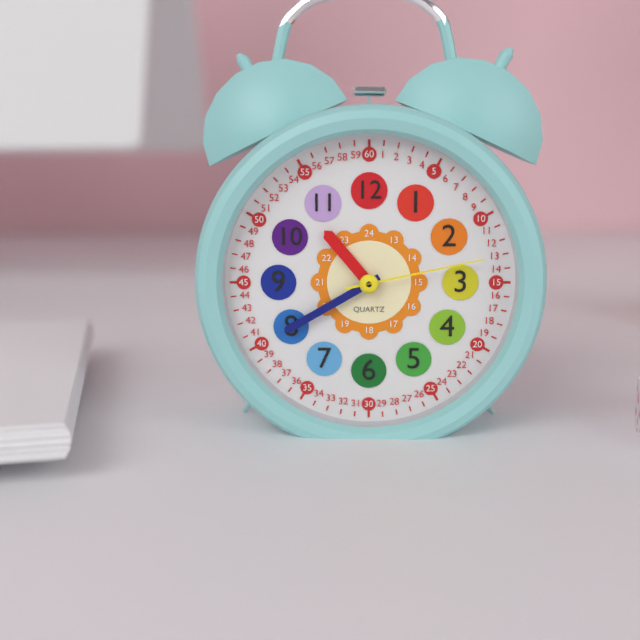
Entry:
h=10 m=40 s=13
